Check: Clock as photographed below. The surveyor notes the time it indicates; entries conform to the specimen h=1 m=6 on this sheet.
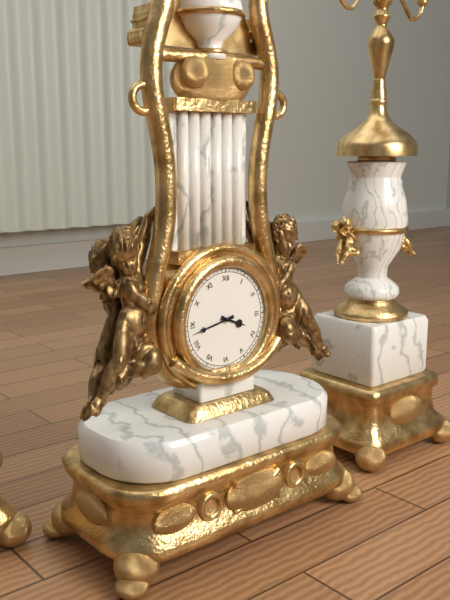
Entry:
h=3 m=43
